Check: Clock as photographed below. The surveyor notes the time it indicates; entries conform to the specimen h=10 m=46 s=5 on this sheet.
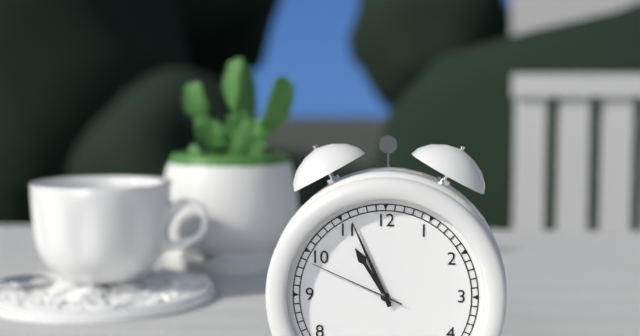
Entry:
h=10 m=56 s=49
